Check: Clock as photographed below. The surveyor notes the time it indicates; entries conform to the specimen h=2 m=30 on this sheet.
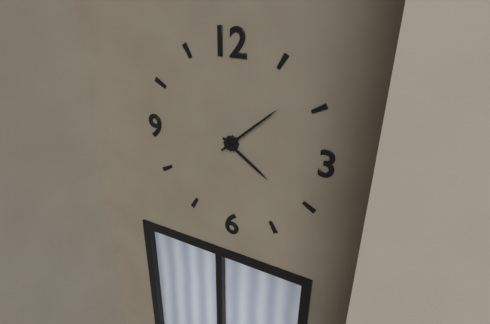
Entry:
h=4 m=8
